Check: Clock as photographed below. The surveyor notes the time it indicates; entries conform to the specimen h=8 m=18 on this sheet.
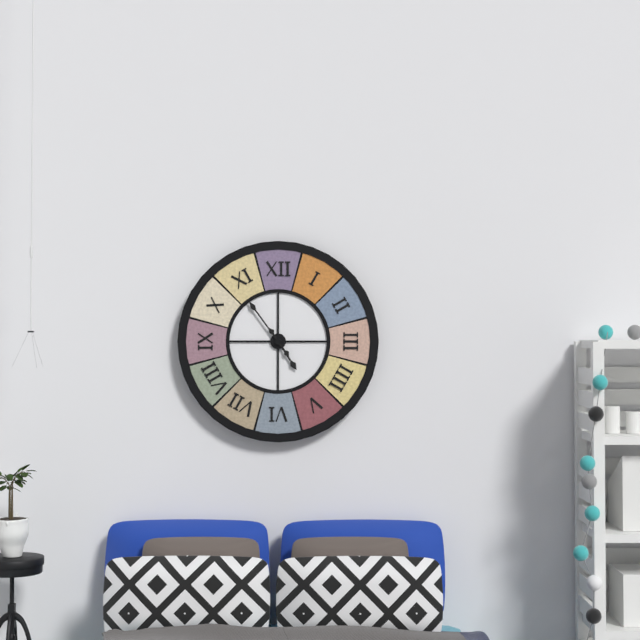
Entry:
h=4 m=54
